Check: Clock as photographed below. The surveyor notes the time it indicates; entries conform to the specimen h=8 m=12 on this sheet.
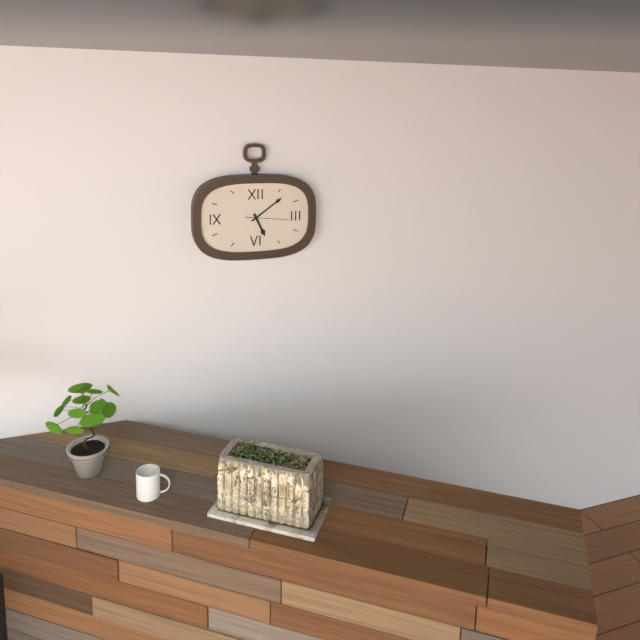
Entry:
h=5 m=9
